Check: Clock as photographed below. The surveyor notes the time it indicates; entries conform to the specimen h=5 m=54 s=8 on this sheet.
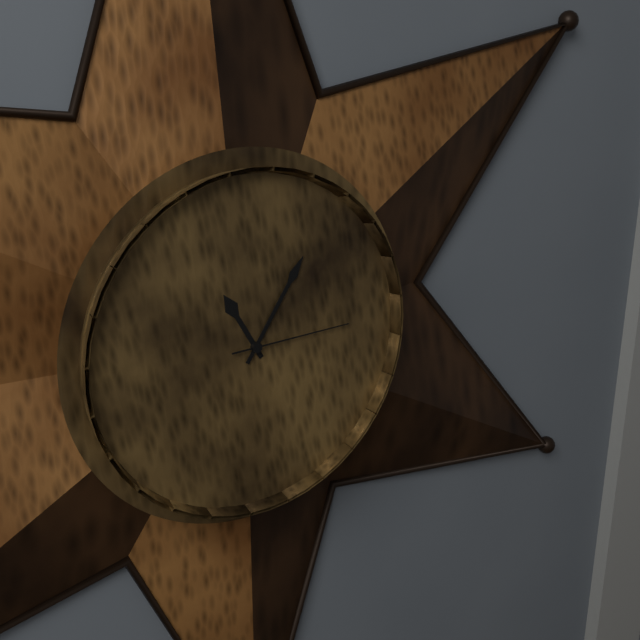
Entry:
h=11 m=6 s=15
